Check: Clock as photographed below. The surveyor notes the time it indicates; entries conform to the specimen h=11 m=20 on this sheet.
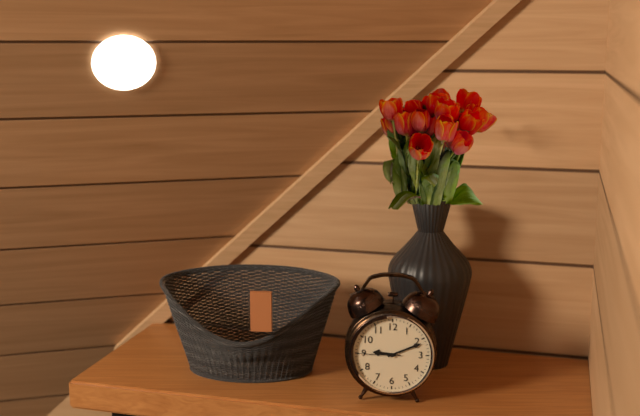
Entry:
h=9 m=11
